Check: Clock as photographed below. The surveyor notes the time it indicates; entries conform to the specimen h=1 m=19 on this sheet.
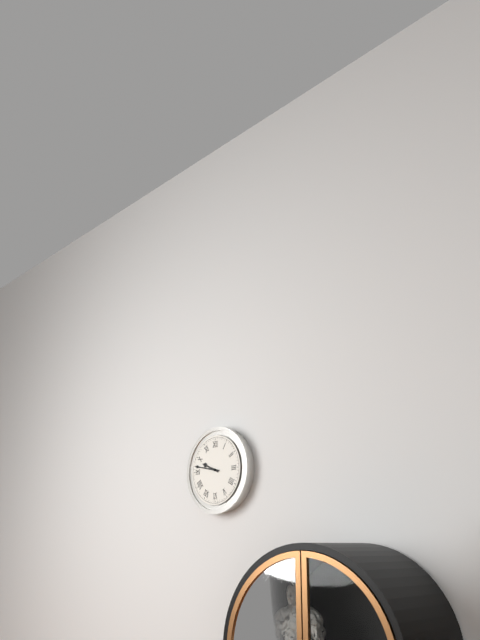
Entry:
h=9 m=47
